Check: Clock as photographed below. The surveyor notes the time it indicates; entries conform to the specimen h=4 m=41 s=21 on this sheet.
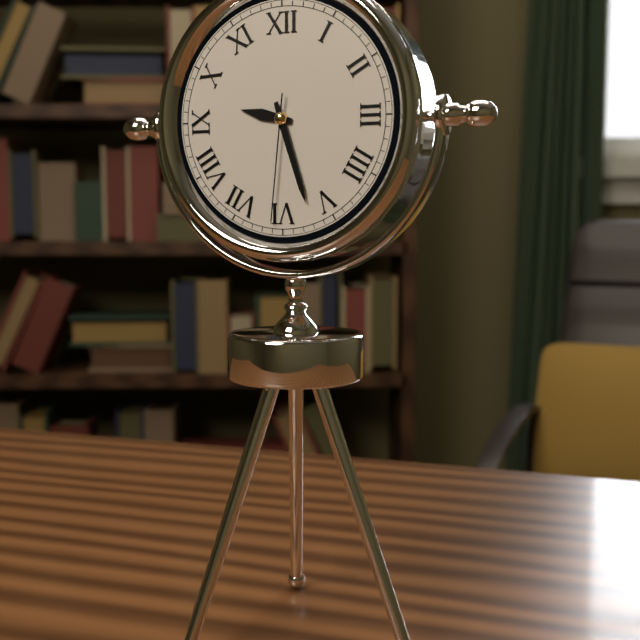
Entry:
h=9 m=27 s=31
